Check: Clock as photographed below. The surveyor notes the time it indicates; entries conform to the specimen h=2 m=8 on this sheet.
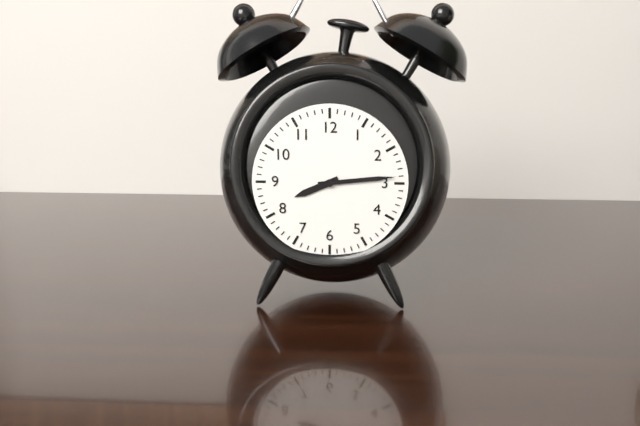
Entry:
h=8 m=14
